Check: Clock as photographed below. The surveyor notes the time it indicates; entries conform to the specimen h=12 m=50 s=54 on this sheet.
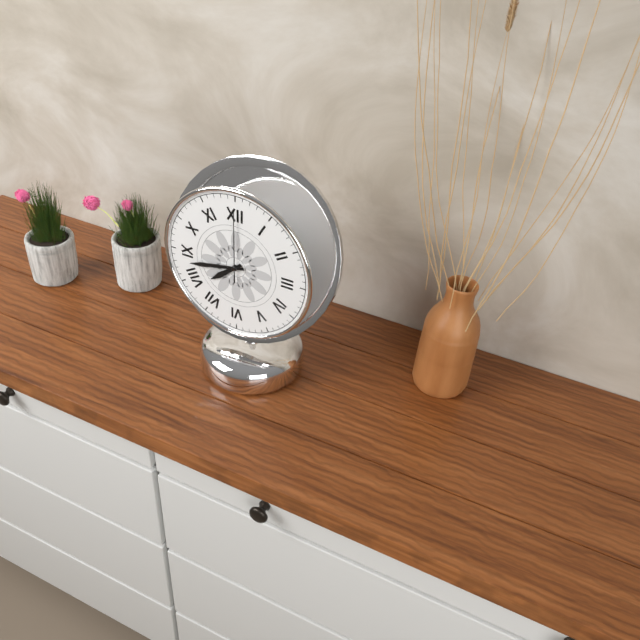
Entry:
h=7 m=43 s=0
